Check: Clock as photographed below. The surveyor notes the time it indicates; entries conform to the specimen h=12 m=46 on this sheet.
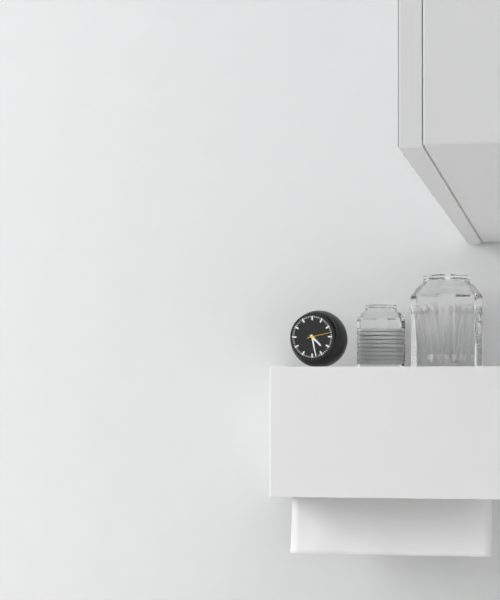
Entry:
h=4 m=28
